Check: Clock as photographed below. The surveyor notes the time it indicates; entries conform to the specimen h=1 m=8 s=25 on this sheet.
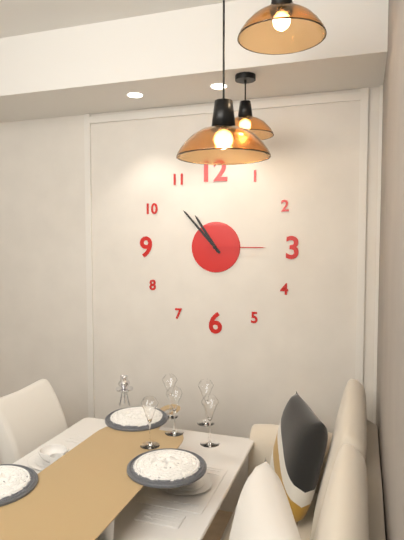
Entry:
h=10 m=53 s=15
